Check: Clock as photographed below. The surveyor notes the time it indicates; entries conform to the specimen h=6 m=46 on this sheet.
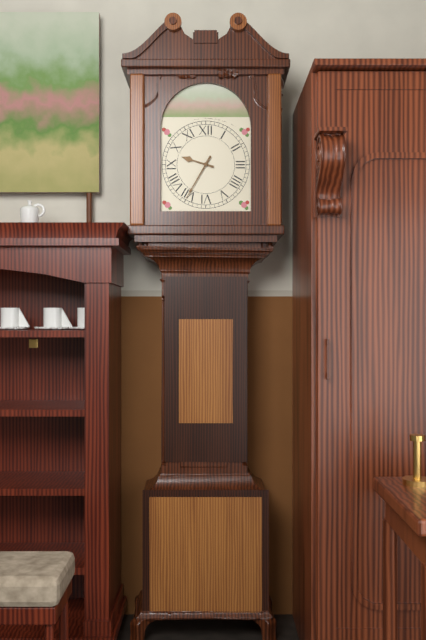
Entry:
h=9 m=35
